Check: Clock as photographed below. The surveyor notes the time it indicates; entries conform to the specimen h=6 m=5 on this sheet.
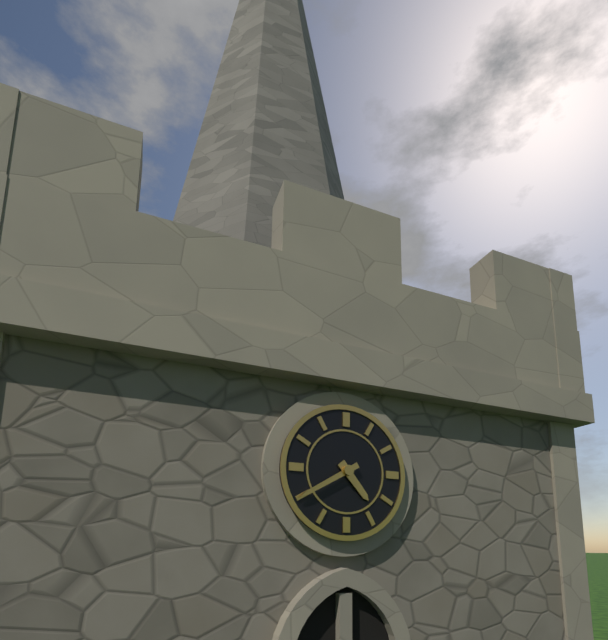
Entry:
h=4 m=40
